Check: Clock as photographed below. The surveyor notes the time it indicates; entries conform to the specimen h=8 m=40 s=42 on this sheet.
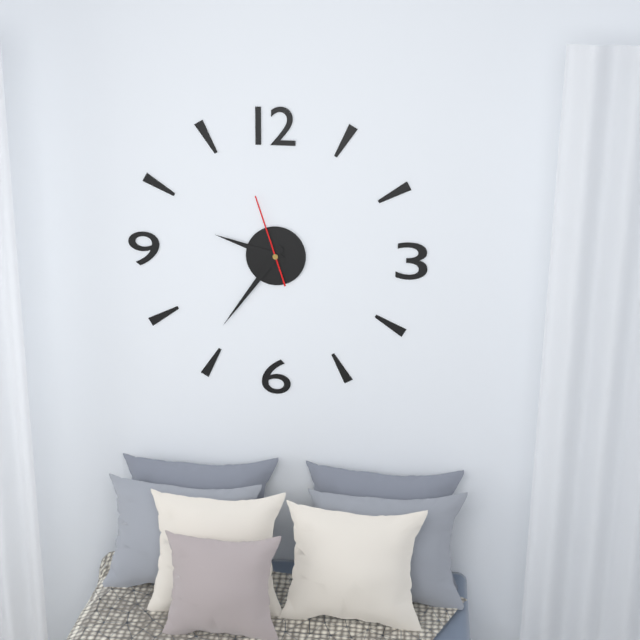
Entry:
h=9 m=36 s=57
